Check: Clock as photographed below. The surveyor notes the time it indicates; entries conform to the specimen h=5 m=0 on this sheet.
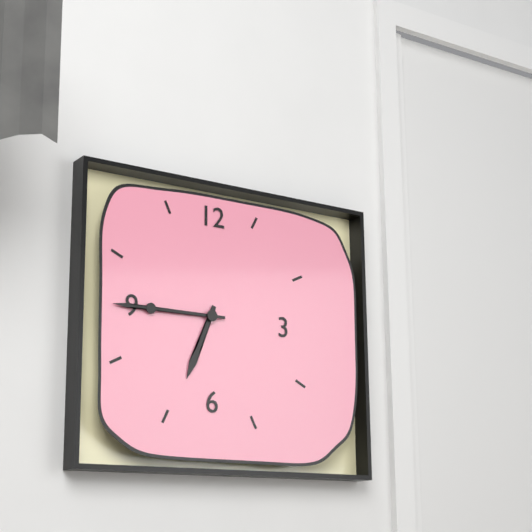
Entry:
h=6 m=45
